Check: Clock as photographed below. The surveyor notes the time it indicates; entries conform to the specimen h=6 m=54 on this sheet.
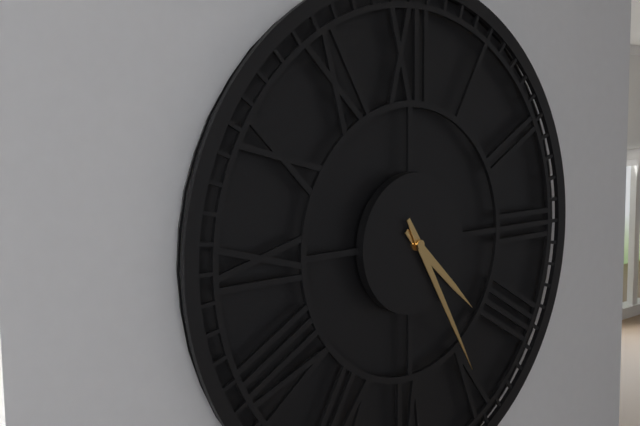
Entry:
h=4 m=25
